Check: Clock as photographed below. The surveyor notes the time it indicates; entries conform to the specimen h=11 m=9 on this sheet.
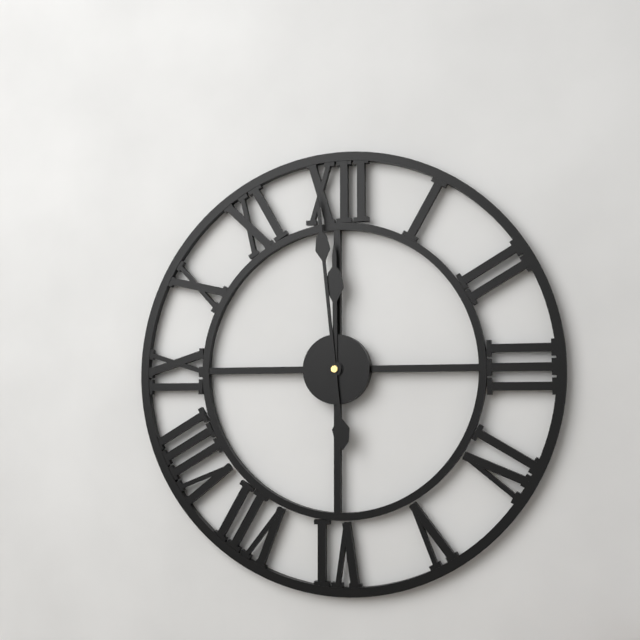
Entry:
h=11 m=59
